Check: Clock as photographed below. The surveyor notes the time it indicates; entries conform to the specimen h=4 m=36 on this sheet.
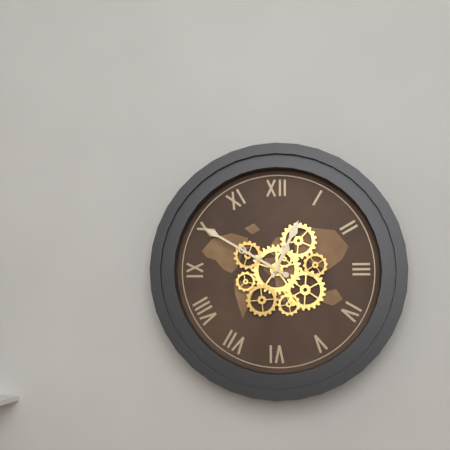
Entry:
h=12 m=50
